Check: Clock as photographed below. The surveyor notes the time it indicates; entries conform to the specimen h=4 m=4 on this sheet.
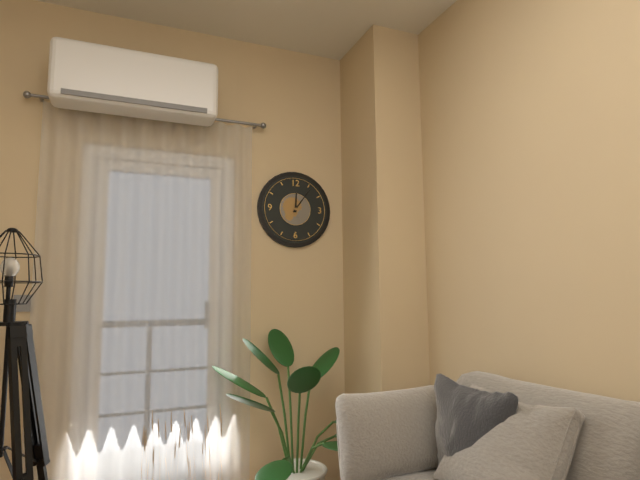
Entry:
h=12 m=6
